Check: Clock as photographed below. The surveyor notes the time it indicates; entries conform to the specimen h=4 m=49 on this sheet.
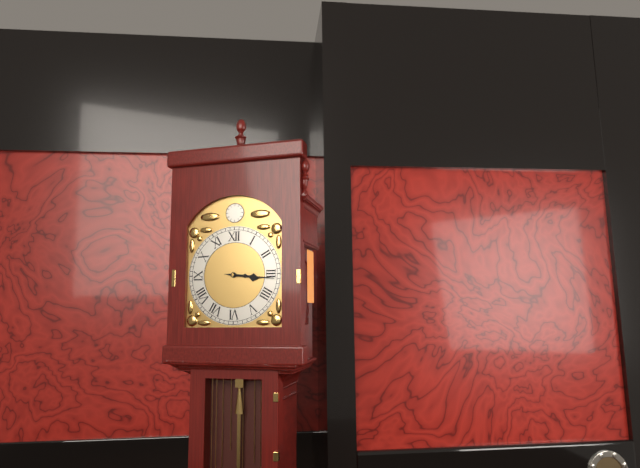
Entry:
h=3 m=16
